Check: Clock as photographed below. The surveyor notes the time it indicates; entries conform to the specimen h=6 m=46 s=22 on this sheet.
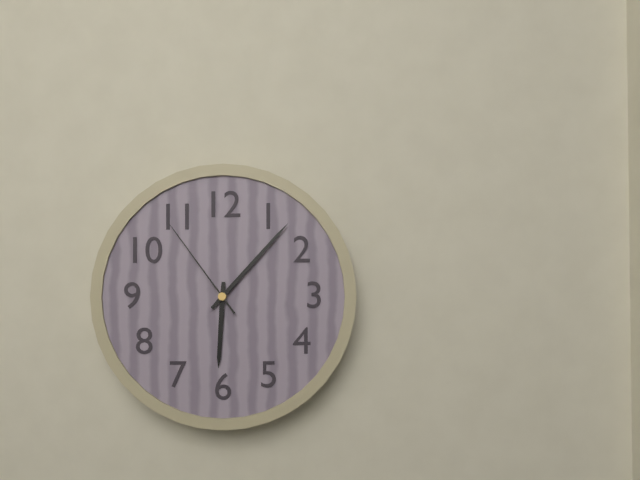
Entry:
h=6 m=7 s=54
